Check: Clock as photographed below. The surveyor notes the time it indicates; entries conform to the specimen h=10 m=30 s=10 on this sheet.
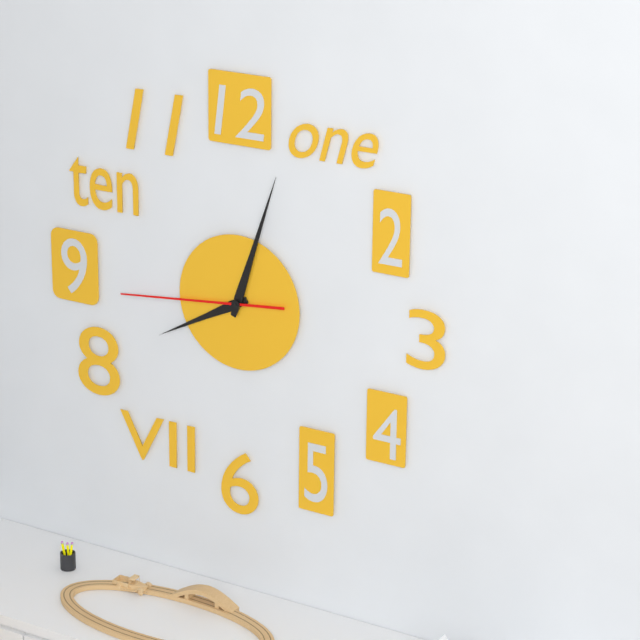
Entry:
h=8 m=3 s=44
